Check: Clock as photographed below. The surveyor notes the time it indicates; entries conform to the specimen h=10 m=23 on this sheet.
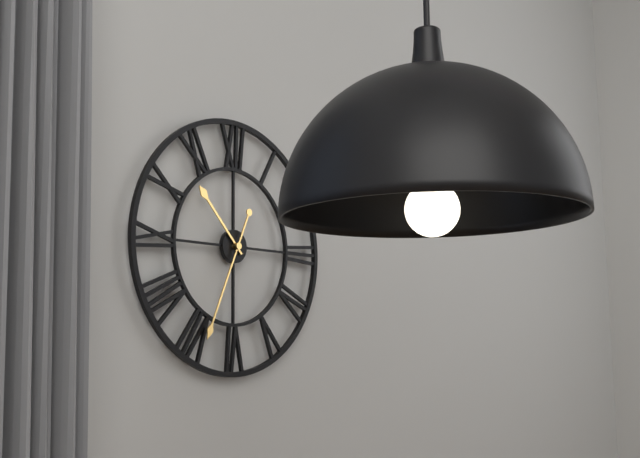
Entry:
h=10 m=34
